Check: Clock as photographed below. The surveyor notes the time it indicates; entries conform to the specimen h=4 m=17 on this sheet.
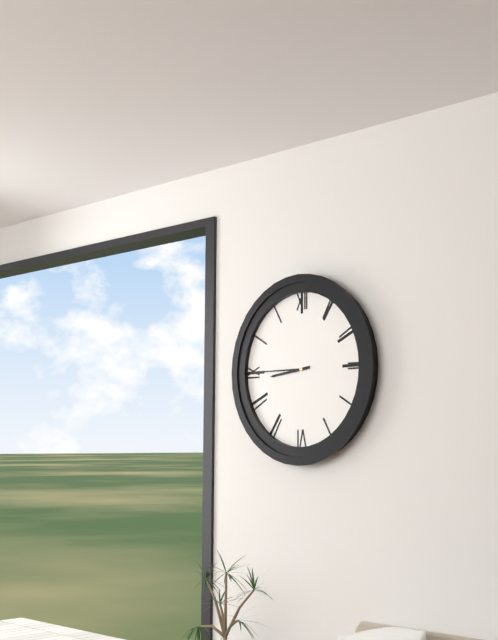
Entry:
h=8 m=45
